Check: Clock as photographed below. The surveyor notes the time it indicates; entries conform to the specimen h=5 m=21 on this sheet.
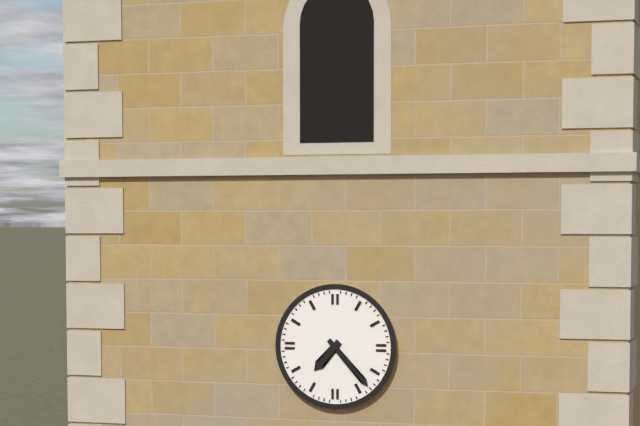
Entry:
h=7 m=23
